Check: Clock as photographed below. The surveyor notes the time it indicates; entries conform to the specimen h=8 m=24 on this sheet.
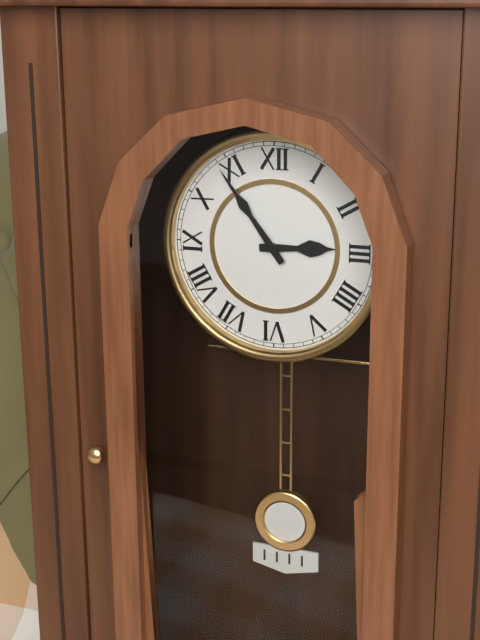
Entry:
h=2 m=54
